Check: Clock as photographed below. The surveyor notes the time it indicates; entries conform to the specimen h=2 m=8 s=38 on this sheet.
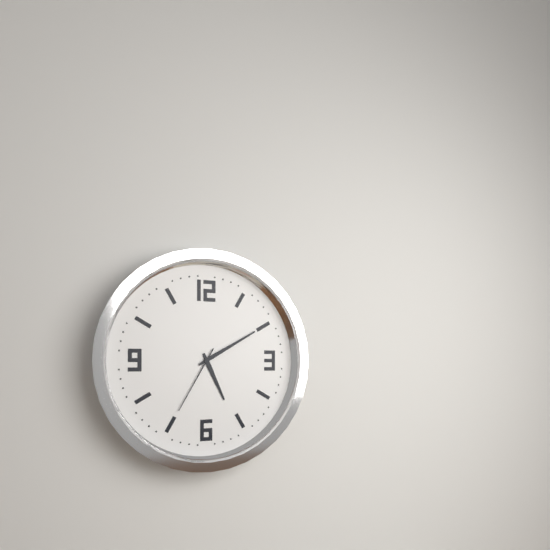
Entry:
h=5 m=10 s=35
